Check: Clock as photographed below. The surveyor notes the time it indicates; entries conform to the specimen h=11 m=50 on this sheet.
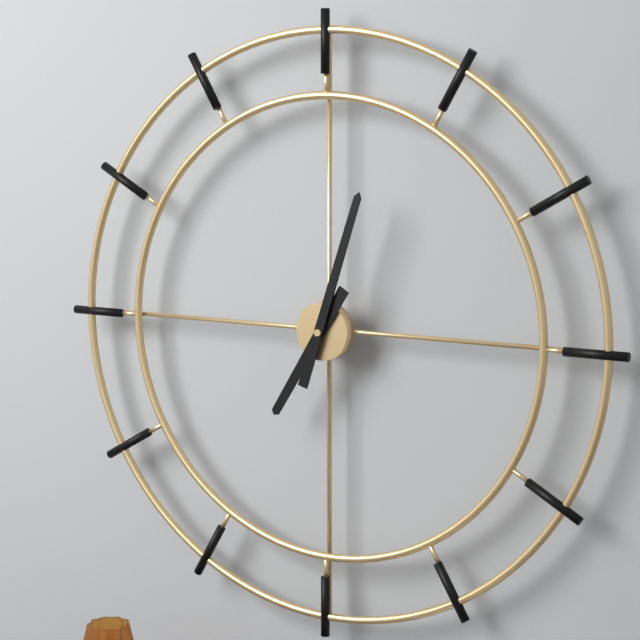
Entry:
h=7 m=3
